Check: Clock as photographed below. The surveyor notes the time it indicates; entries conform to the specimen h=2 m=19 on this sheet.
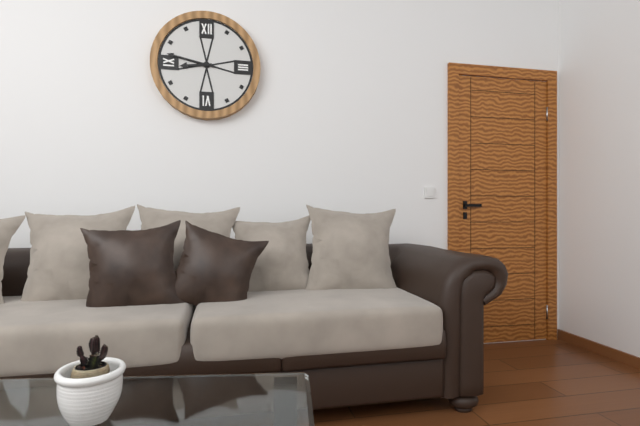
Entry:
h=8 m=47
